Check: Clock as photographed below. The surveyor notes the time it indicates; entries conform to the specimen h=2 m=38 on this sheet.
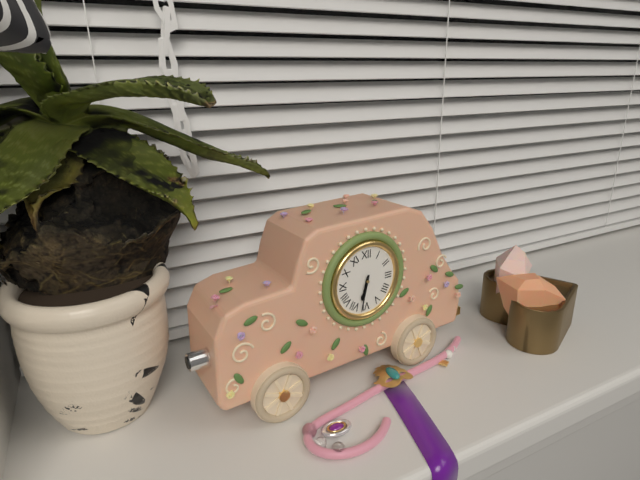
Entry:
h=6 m=32
